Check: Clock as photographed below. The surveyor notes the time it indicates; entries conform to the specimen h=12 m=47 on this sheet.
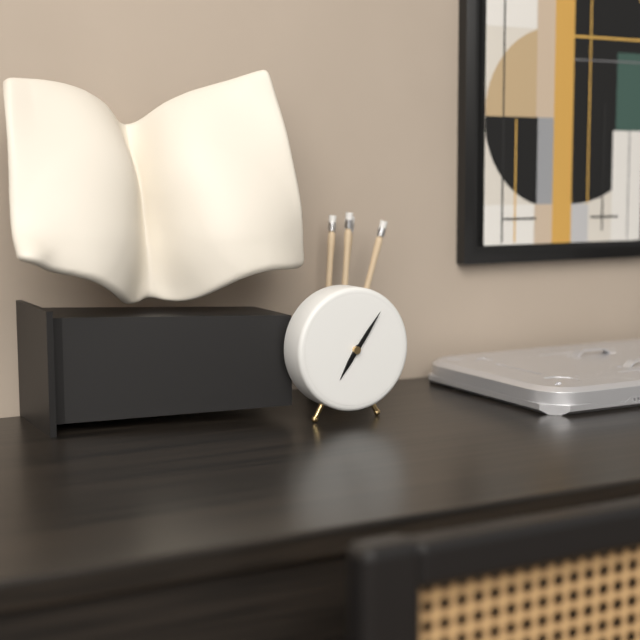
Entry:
h=7 m=6
